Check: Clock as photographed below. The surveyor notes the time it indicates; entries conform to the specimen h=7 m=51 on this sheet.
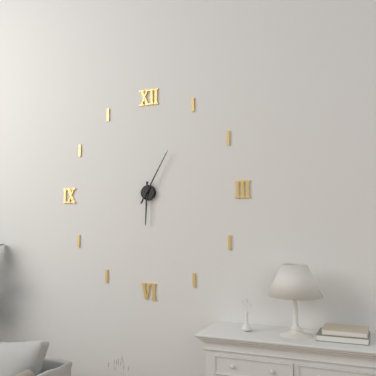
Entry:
h=6 m=5
